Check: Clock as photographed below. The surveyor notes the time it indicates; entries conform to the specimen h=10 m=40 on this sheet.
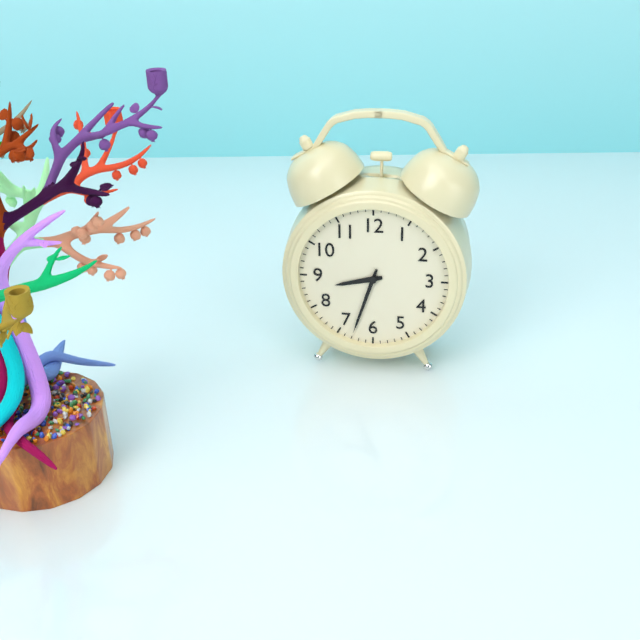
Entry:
h=8 m=33
